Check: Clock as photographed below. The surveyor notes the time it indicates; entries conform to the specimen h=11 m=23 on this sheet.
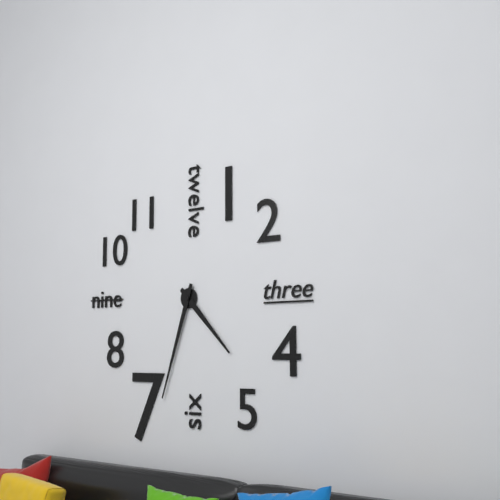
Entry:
h=4 m=33
